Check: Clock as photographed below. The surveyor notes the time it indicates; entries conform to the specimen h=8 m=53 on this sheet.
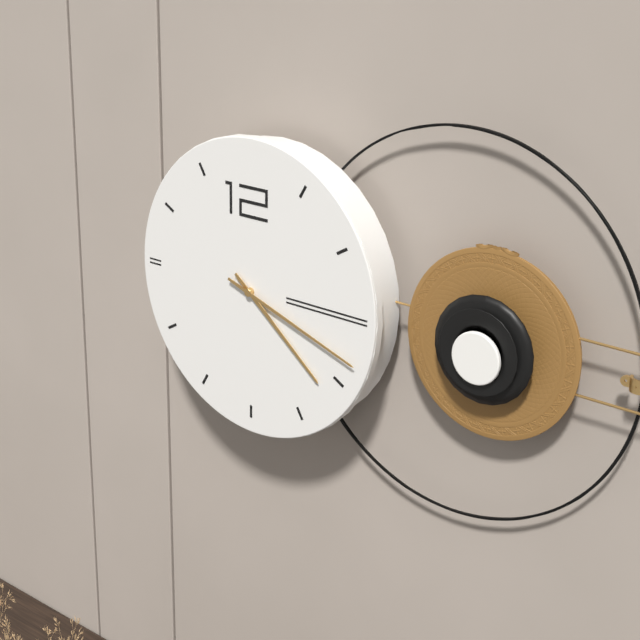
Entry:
h=4 m=18
